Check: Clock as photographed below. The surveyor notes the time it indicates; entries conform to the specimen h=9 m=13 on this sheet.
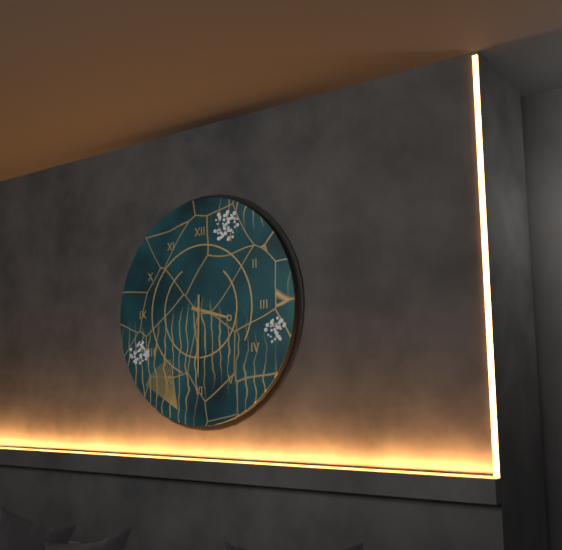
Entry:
h=3 m=30
